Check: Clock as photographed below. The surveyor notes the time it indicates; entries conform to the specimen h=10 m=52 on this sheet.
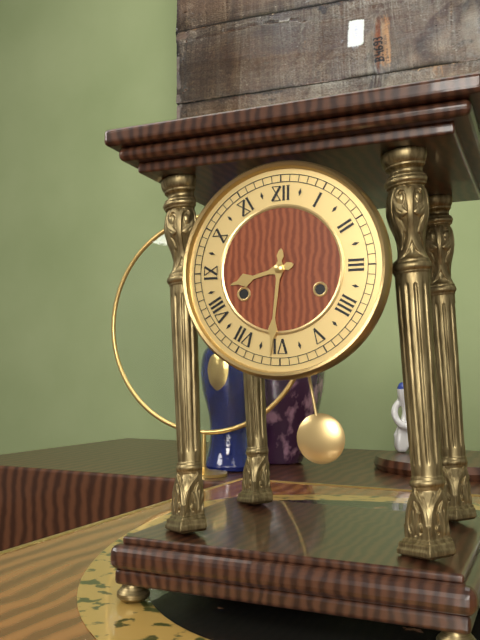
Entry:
h=8 m=31
